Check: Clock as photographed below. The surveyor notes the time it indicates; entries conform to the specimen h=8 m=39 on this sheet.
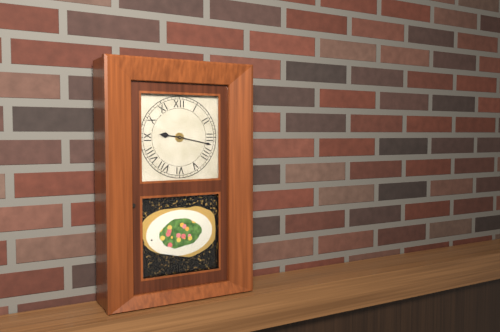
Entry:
h=9 m=17
